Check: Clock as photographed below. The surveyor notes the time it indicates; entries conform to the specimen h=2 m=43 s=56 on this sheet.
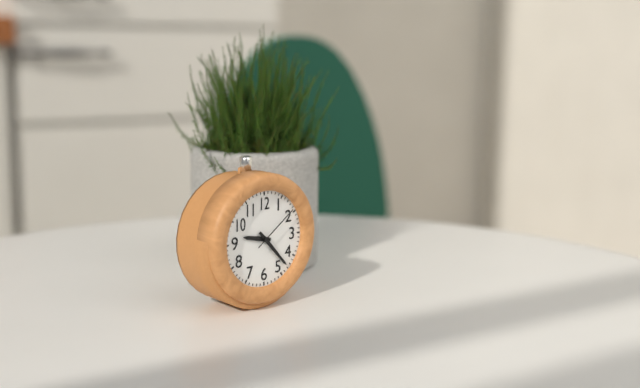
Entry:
h=9 m=23 s=9
